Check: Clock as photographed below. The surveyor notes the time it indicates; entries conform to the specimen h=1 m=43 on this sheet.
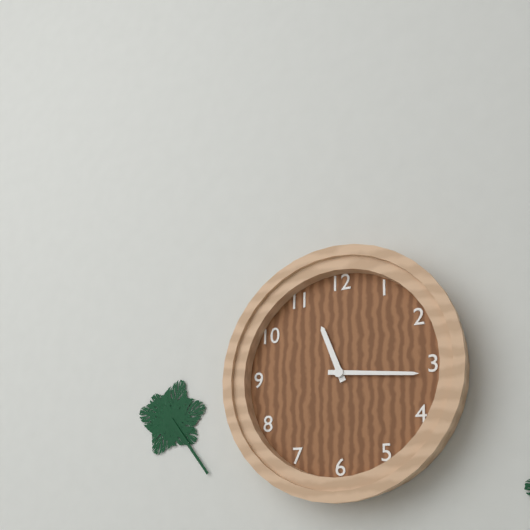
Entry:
h=11 m=16
